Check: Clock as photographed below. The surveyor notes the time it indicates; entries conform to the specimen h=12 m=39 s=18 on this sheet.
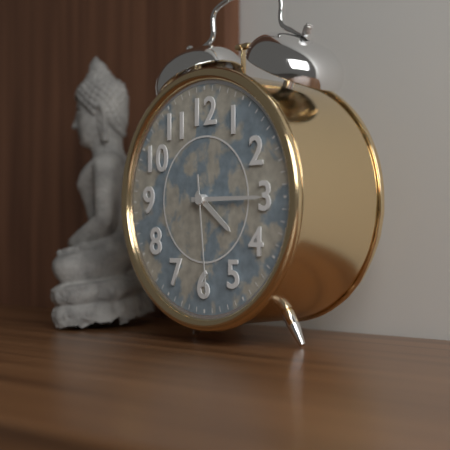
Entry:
h=4 m=15 s=29
